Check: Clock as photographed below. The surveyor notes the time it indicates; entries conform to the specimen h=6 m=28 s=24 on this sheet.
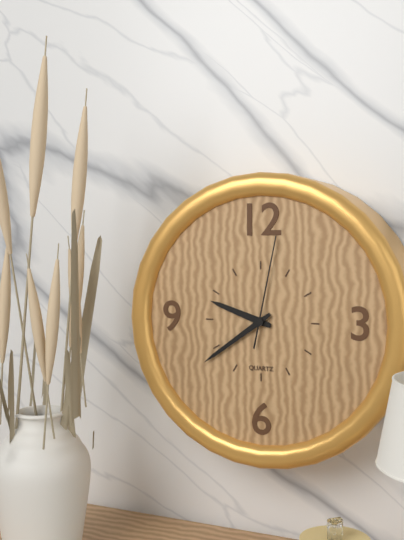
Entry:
h=9 m=39 s=2
